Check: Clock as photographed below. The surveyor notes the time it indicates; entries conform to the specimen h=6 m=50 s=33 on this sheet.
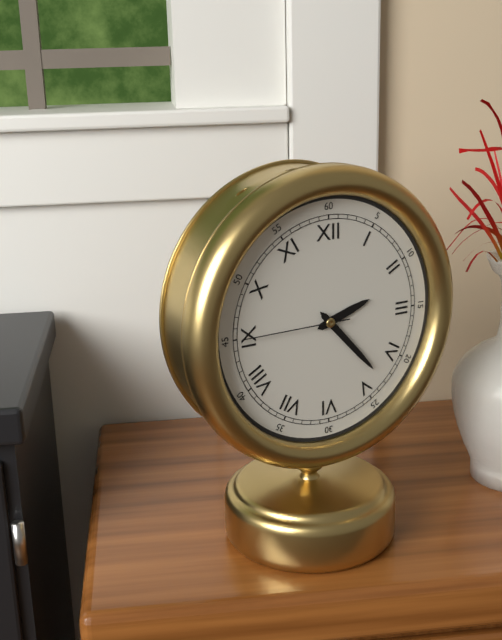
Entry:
h=2 m=23 s=45
